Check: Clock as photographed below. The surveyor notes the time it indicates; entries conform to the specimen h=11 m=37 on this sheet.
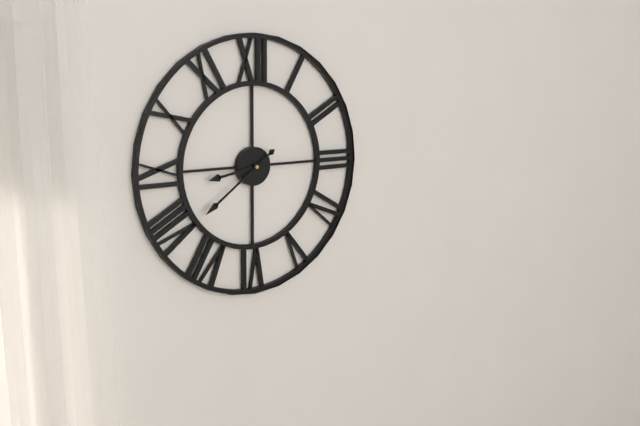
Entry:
h=8 m=39
